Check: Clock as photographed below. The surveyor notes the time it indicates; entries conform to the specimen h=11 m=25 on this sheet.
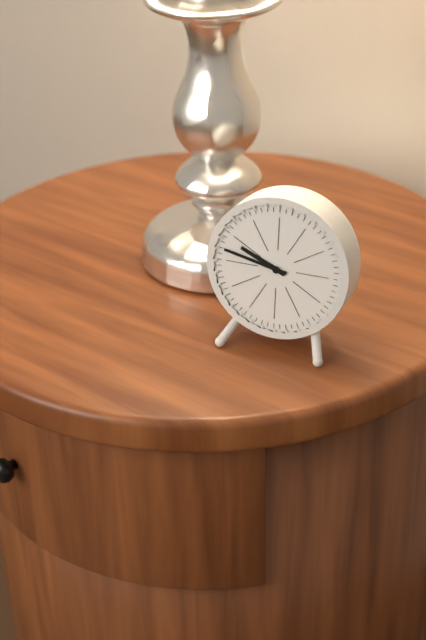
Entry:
h=9 m=47
